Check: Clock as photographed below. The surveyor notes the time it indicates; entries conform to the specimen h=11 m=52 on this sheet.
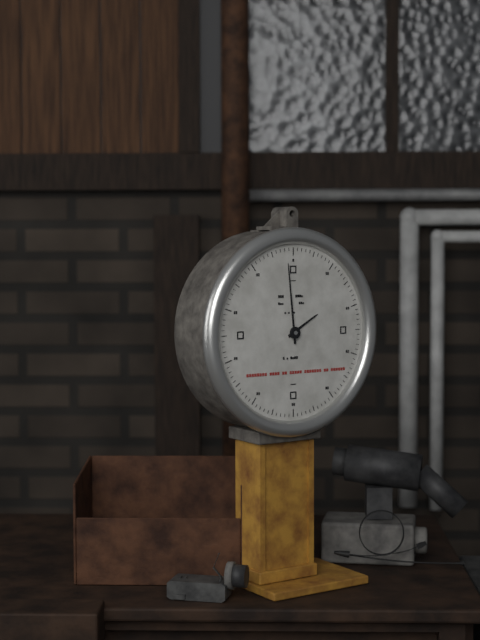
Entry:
h=1 m=59
